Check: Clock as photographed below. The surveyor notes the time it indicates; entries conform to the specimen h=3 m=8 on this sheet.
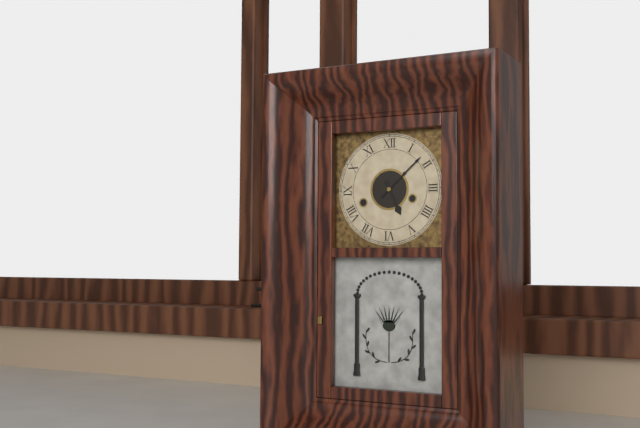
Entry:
h=5 m=8
